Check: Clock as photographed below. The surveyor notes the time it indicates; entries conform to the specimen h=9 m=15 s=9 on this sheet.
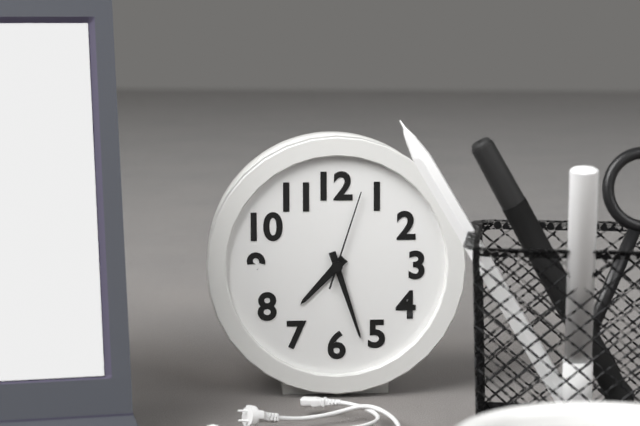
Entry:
h=7 m=27 s=3
